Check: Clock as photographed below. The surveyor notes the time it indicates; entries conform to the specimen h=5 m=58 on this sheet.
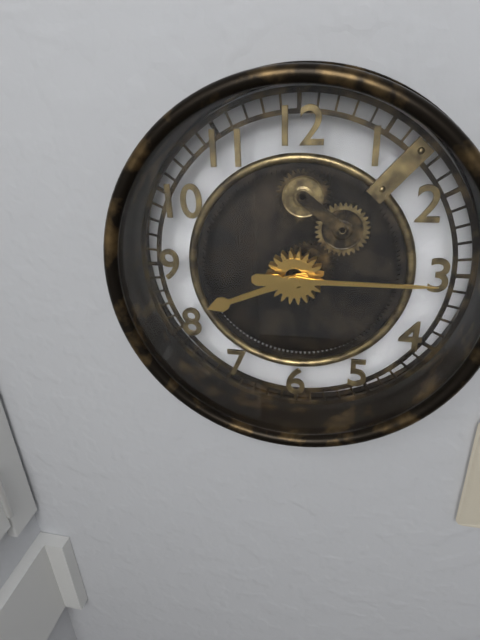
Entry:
h=8 m=15
